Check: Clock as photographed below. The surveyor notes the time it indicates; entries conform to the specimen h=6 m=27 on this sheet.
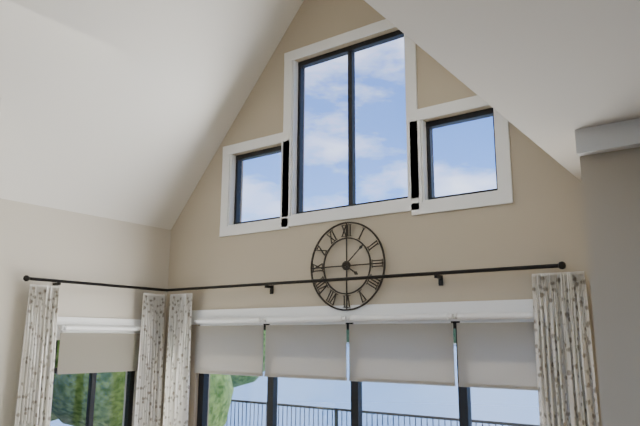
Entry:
h=4 m=8
